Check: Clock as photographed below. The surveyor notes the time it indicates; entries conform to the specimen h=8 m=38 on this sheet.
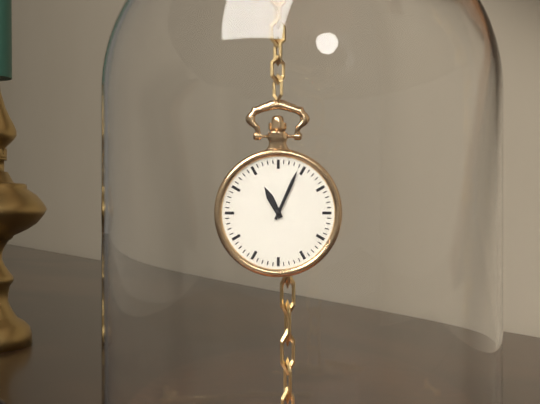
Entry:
h=11 m=4
